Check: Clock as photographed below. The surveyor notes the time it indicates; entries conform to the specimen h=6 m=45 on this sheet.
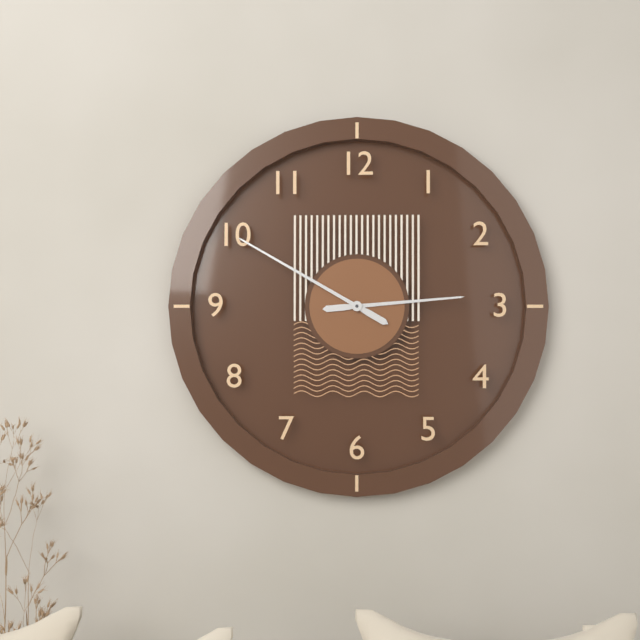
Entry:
h=2 m=50
